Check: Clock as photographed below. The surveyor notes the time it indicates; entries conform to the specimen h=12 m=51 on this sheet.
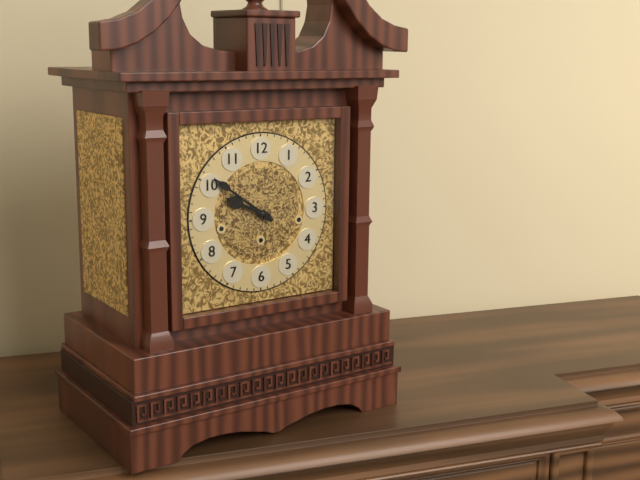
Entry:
h=9 m=51
